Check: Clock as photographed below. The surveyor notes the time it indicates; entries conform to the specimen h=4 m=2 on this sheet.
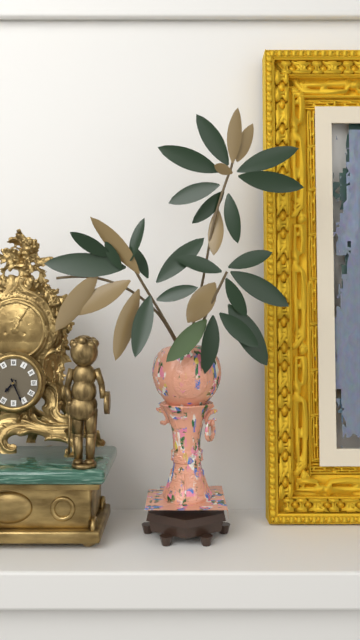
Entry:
h=7 m=26
